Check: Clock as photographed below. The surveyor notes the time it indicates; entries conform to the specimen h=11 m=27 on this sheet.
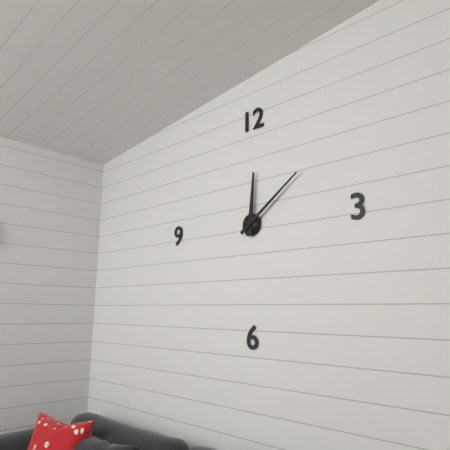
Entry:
h=12 m=9
